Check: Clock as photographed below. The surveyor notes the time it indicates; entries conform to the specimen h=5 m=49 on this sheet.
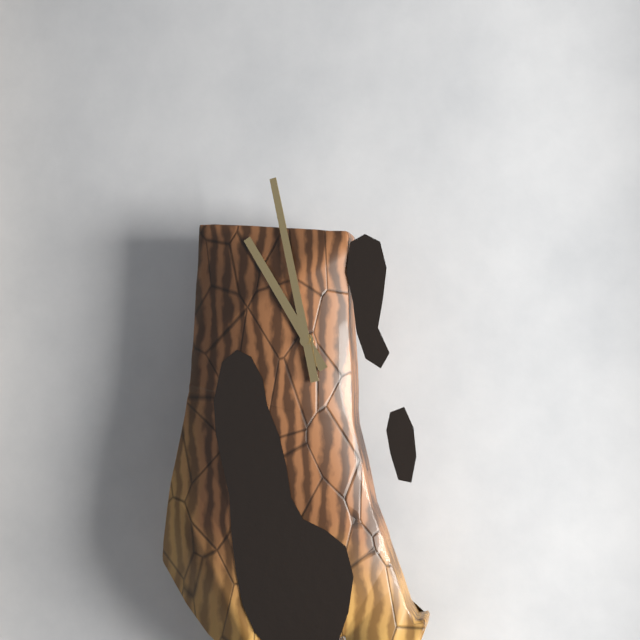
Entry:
h=10 m=58
